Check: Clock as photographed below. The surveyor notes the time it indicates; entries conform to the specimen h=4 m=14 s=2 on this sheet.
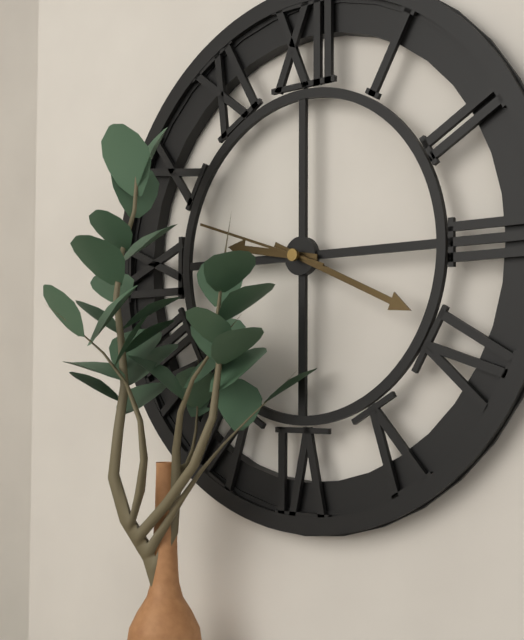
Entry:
h=9 m=19 s=48
